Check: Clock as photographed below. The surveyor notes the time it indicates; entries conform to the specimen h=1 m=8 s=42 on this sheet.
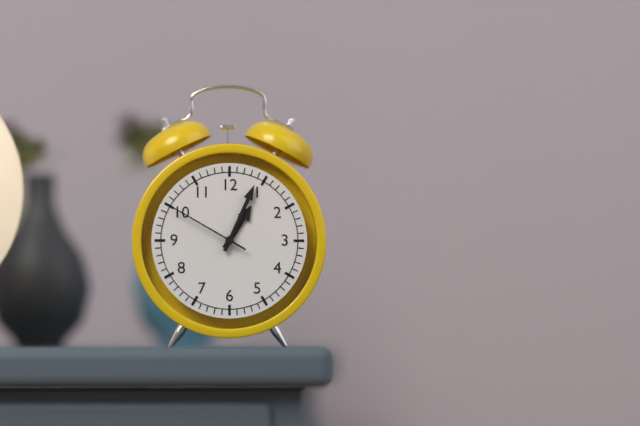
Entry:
h=1 m=4 s=50
